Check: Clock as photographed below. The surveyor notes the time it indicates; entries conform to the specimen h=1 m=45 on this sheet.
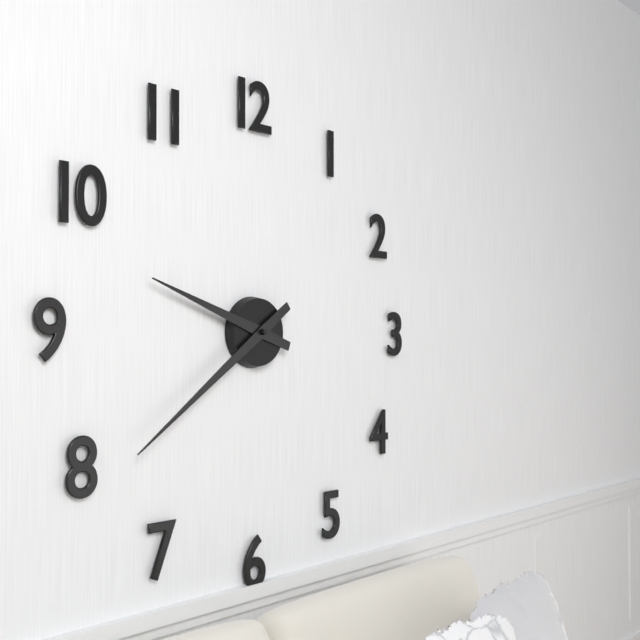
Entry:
h=9 m=39
